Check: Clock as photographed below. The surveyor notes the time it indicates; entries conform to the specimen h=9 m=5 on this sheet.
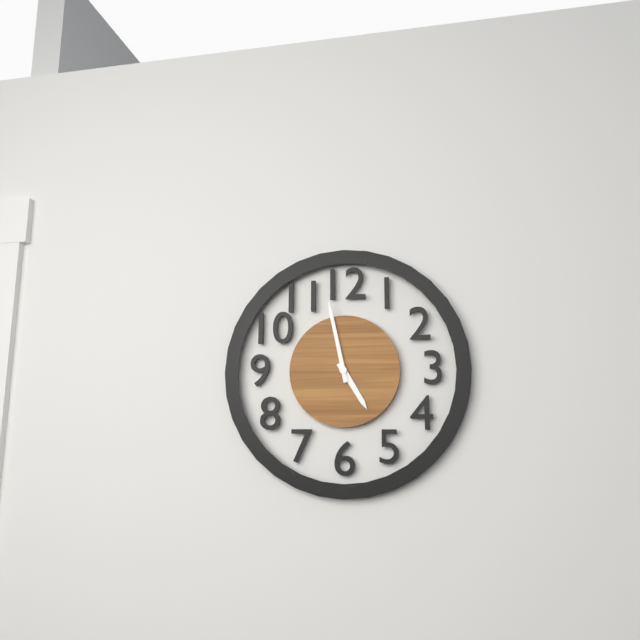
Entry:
h=4 m=58
